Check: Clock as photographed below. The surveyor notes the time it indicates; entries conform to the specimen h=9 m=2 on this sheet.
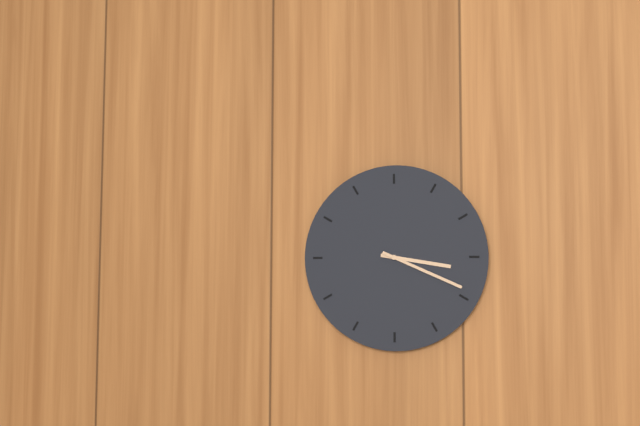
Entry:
h=3 m=19
